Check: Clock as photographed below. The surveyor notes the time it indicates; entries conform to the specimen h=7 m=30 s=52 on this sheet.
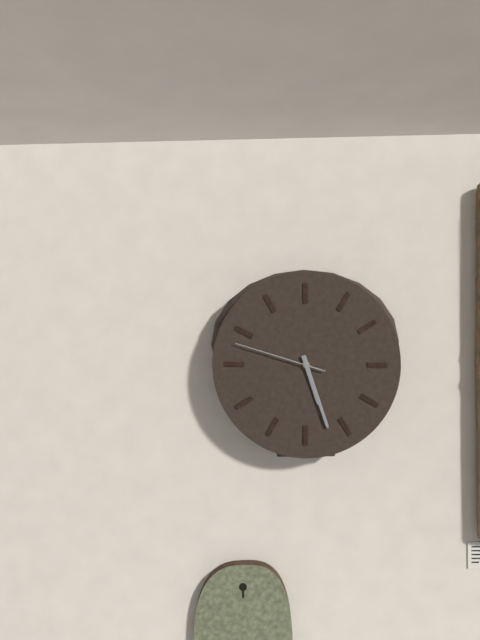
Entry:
h=5 m=27 s=48
